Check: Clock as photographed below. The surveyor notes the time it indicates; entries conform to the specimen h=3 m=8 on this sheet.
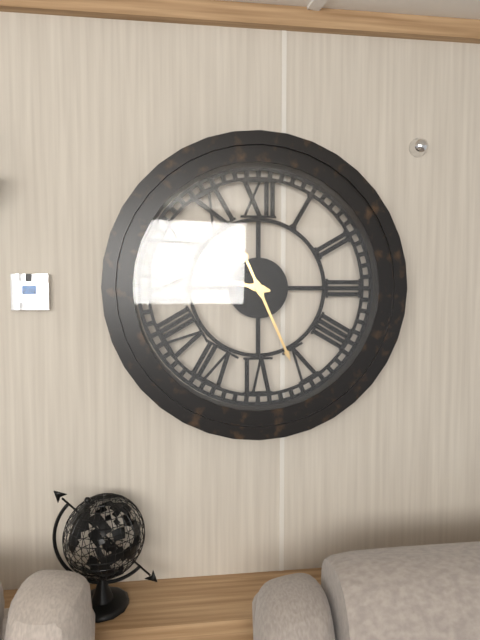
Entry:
h=9 m=26
